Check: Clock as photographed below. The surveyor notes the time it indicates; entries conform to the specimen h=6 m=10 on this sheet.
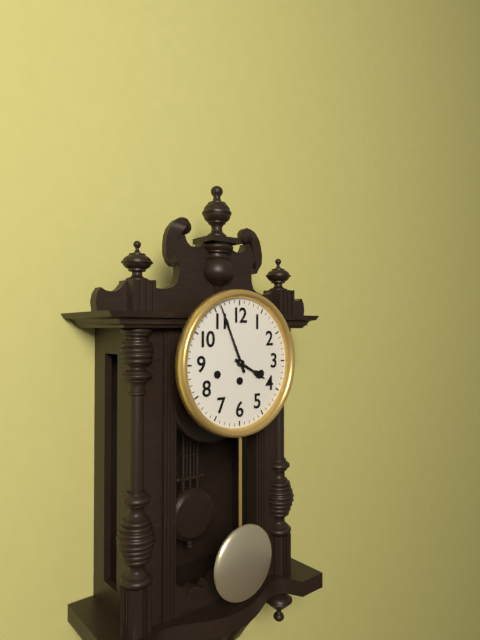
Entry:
h=3 m=56
